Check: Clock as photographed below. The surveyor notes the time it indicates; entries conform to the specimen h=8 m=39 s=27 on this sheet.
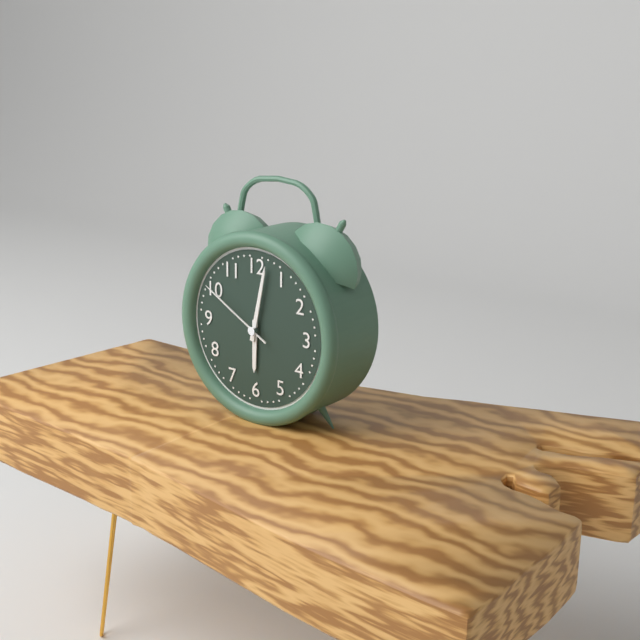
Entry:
h=6 m=2 s=50
